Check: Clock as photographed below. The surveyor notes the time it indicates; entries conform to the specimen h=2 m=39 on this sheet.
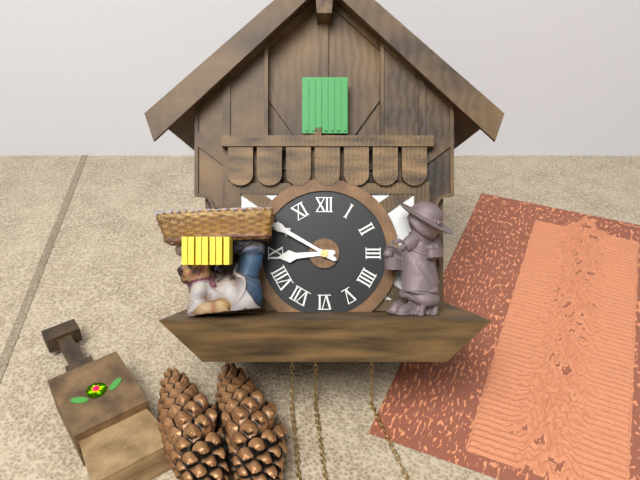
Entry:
h=8 m=50
